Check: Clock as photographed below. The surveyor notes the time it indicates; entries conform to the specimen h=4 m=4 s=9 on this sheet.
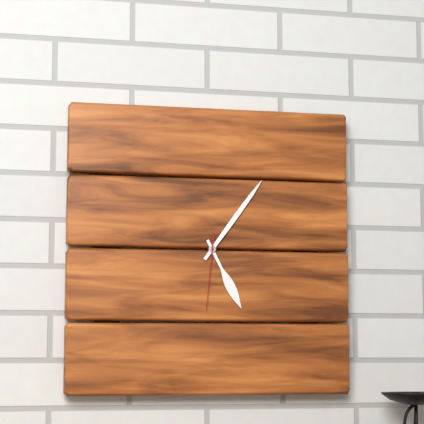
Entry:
h=5 m=6 s=31
